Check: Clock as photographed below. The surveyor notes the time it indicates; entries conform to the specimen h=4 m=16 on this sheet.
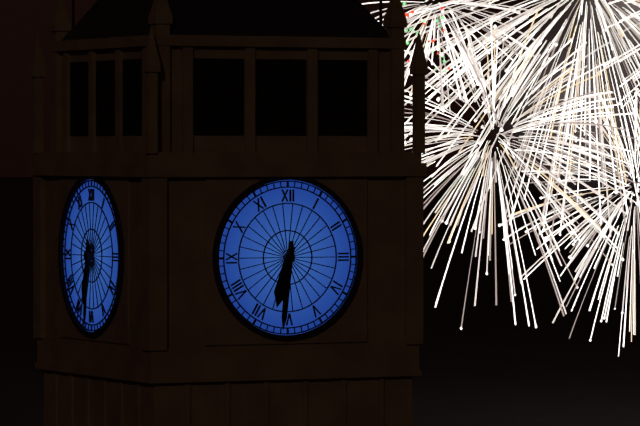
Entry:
h=6 m=31
